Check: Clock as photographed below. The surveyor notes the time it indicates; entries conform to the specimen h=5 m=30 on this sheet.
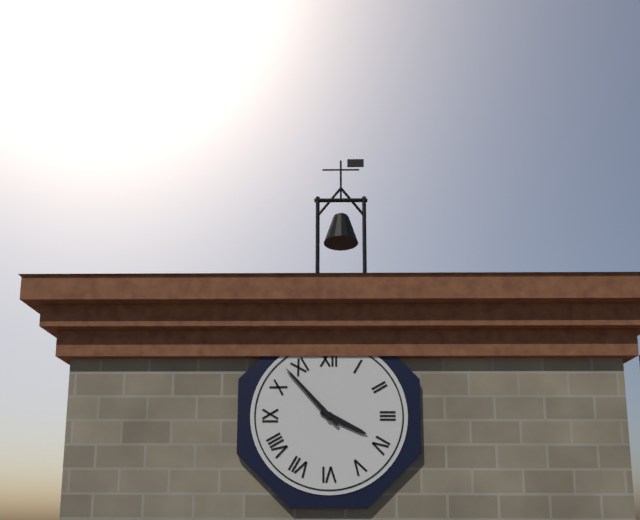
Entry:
h=3 m=53
